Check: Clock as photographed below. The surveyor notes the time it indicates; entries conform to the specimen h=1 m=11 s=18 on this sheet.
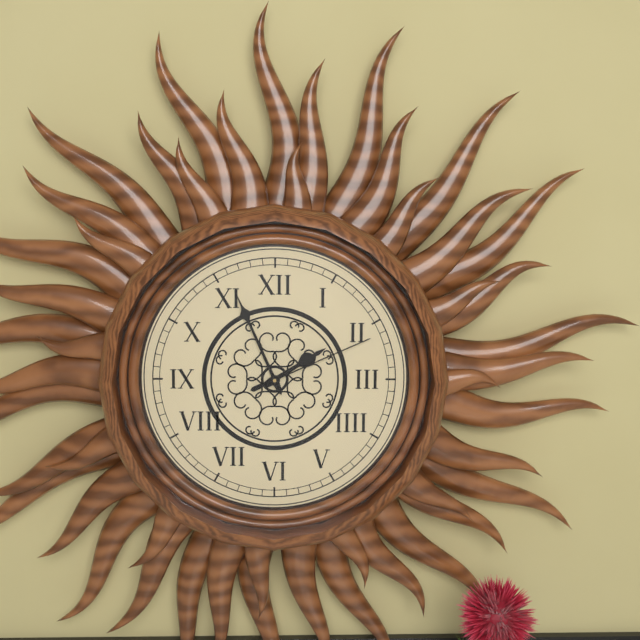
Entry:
h=1 m=56 s=11
